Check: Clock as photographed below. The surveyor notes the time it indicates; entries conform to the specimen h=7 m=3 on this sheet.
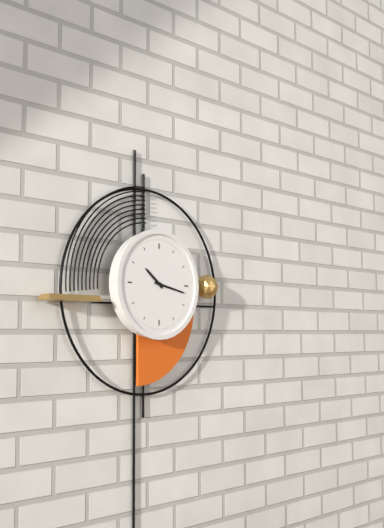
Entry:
h=10 m=17
